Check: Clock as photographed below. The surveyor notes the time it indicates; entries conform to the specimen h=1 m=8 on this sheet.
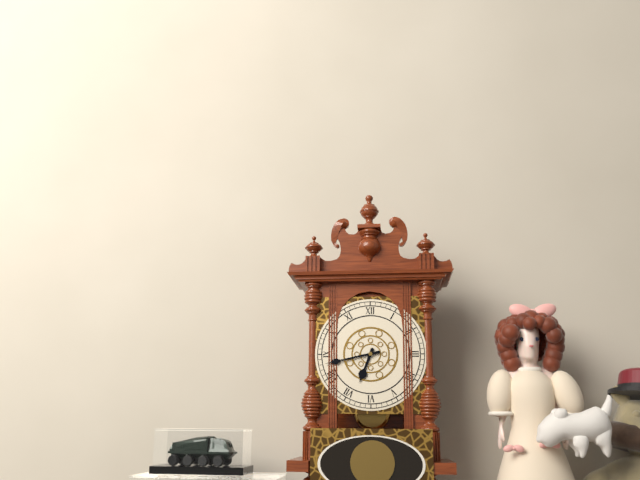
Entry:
h=6 m=43
